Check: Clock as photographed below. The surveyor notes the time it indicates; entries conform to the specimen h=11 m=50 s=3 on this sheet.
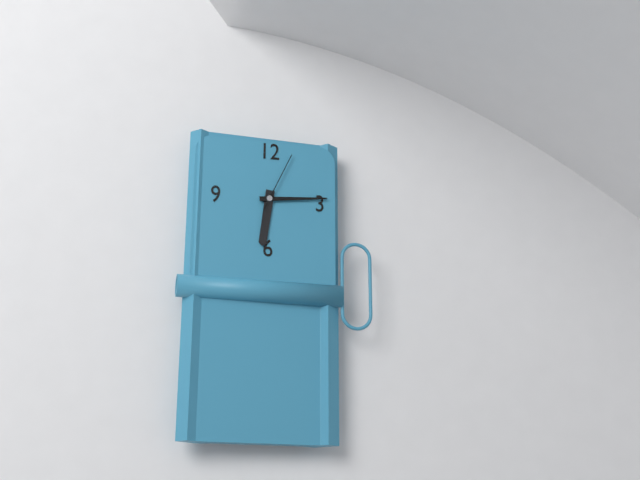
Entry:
h=6 m=14 s=4
